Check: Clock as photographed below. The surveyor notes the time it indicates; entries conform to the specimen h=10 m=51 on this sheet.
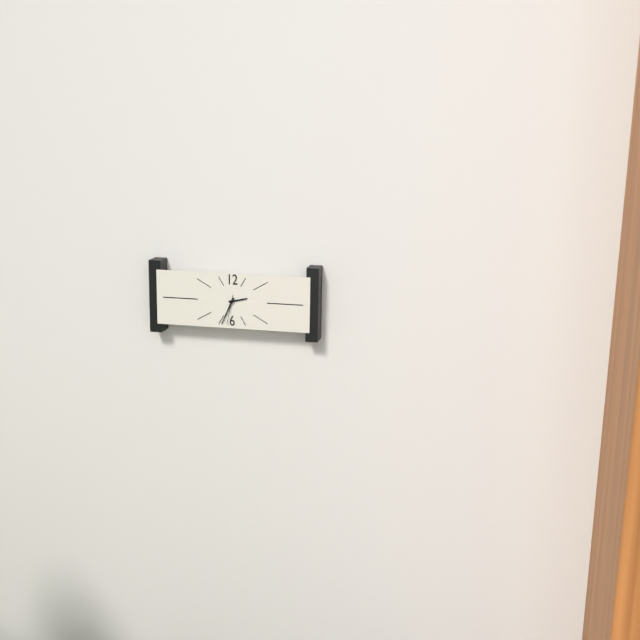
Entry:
h=2 m=34
